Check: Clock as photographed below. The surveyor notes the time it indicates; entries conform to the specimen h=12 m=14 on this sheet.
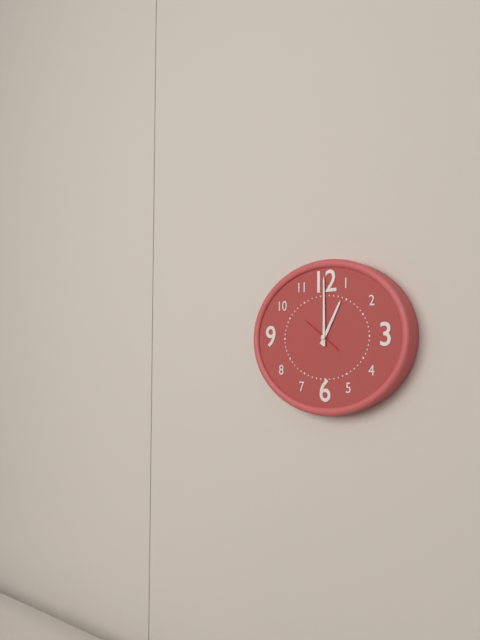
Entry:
h=1 m=0
